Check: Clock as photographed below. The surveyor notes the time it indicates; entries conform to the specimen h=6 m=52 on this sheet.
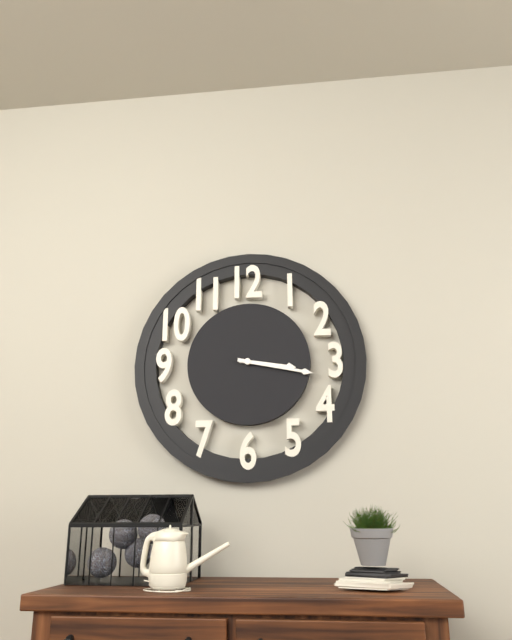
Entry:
h=3 m=17
